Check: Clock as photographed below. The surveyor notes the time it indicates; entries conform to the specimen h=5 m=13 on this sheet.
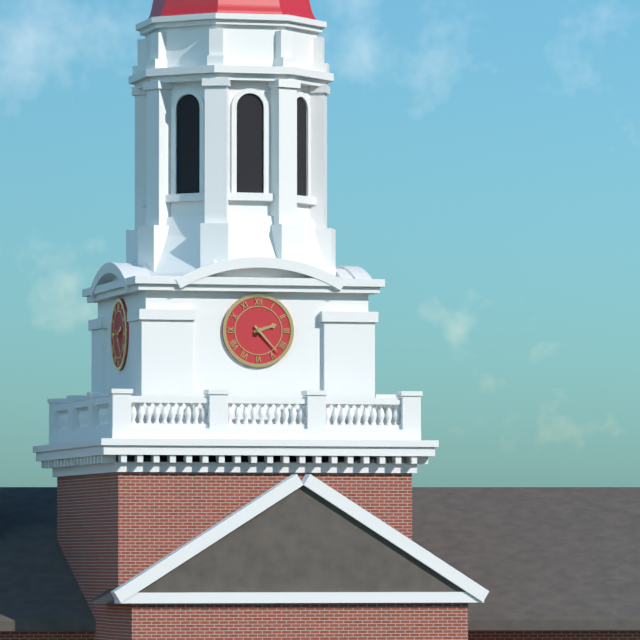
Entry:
h=2 m=23
